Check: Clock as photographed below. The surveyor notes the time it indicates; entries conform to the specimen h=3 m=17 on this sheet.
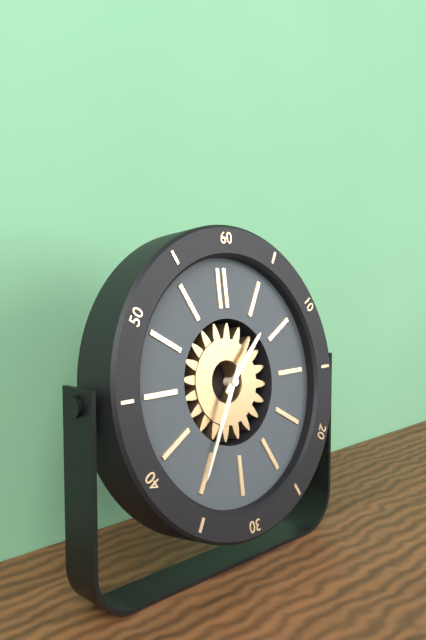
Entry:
h=1 m=35
